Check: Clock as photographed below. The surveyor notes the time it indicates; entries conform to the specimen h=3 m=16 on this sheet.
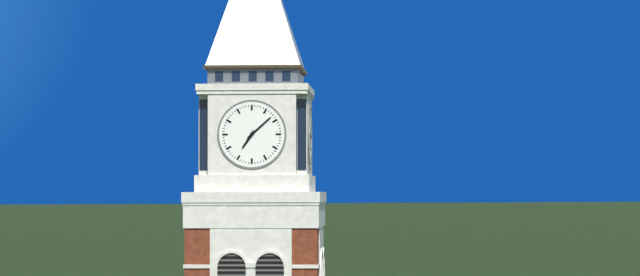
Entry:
h=7 m=8
